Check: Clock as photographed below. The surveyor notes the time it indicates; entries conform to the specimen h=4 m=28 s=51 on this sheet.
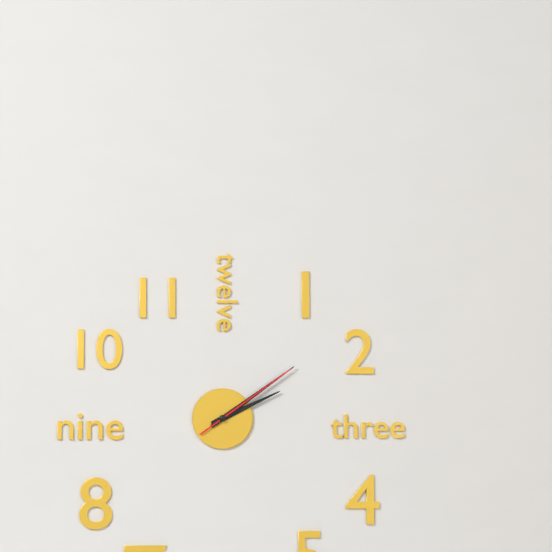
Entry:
h=2 m=9 s=9
